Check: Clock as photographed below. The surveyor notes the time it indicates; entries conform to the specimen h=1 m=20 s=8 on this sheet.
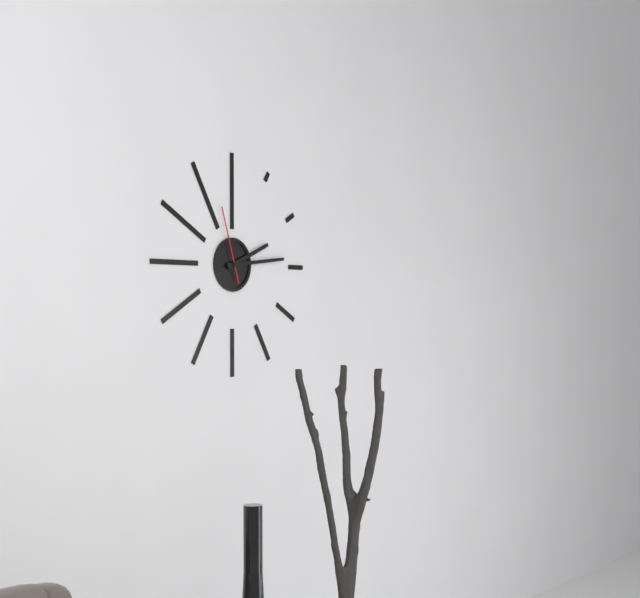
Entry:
h=2 m=14 s=57
